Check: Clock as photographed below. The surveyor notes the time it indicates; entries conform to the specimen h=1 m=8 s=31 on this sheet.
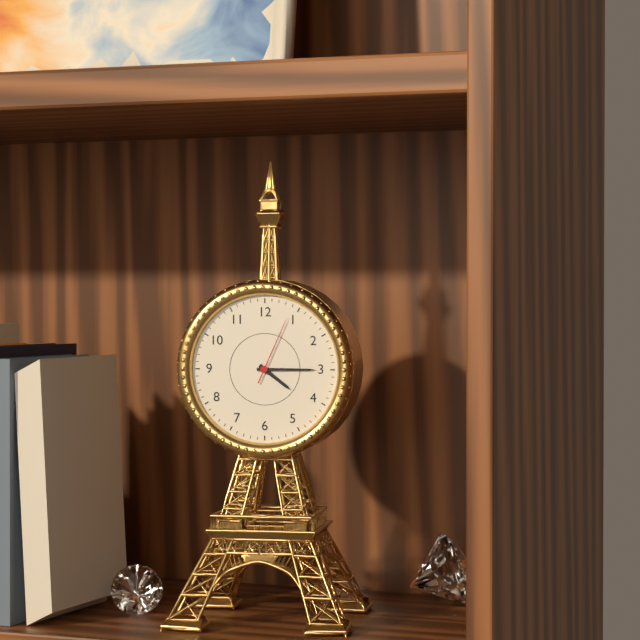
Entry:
h=4 m=15 s=4
